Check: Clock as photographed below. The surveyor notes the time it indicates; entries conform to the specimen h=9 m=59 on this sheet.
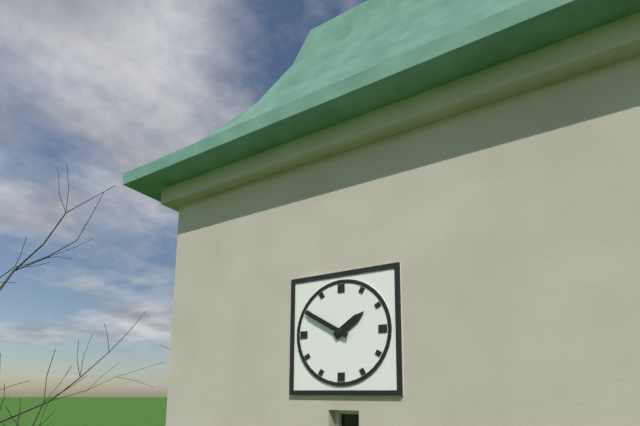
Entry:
h=1 m=50
